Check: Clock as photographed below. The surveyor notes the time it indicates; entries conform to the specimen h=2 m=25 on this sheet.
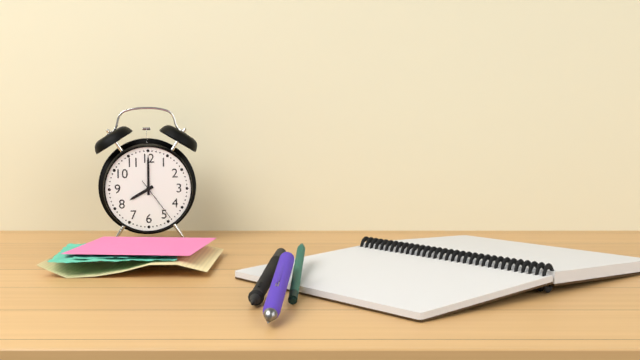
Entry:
h=8 m=0
